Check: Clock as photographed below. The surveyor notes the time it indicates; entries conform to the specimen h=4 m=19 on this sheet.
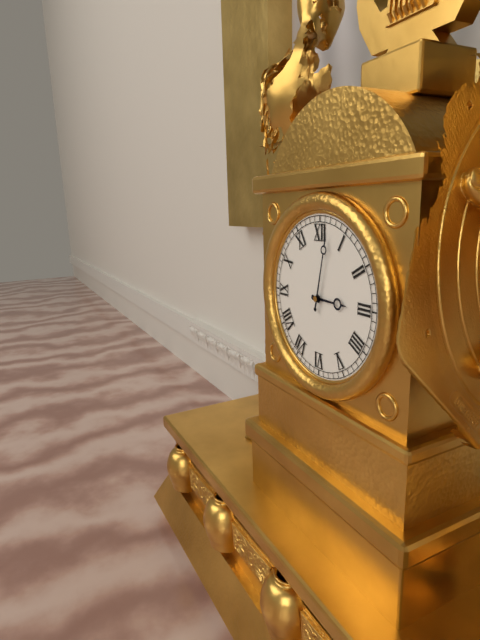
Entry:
h=3 m=2
